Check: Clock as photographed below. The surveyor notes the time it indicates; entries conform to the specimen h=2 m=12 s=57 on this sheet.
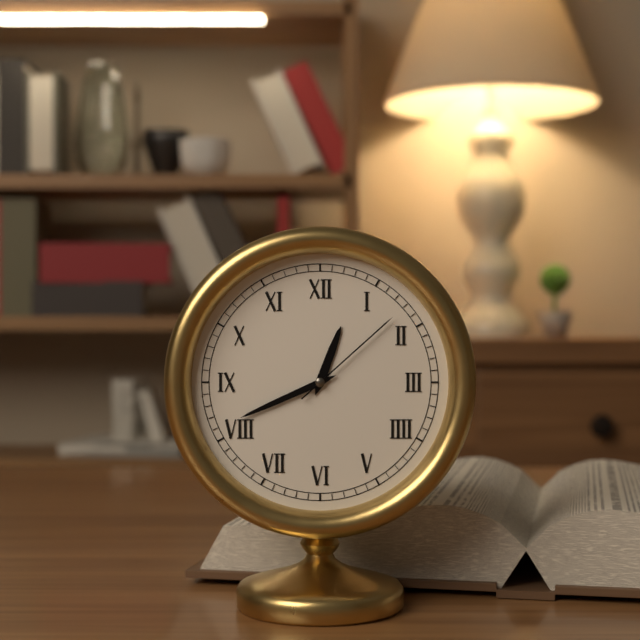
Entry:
h=12 m=41 s=8
